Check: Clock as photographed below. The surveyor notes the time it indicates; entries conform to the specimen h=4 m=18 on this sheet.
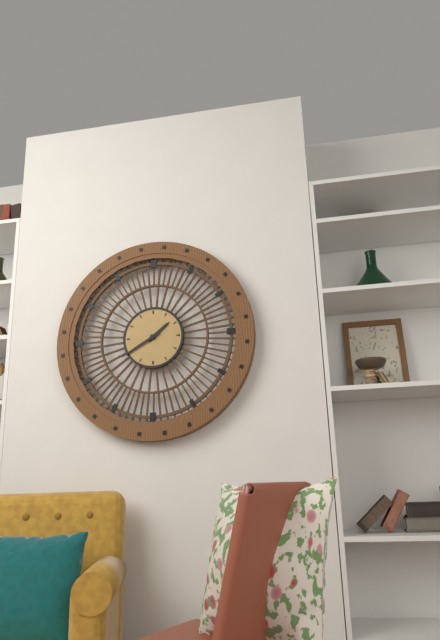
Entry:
h=1 m=40
